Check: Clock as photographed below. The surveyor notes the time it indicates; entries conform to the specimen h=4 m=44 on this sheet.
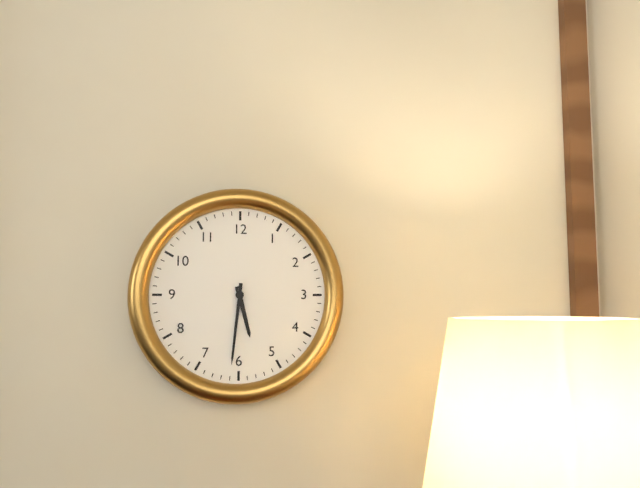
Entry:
h=5 m=31
